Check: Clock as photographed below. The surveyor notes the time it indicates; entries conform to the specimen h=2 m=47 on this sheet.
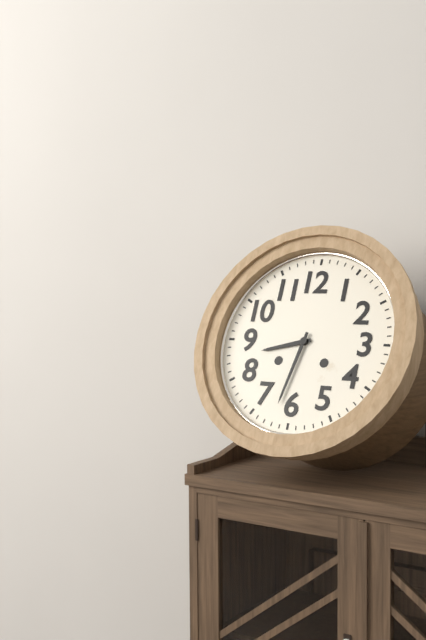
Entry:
h=8 m=32
